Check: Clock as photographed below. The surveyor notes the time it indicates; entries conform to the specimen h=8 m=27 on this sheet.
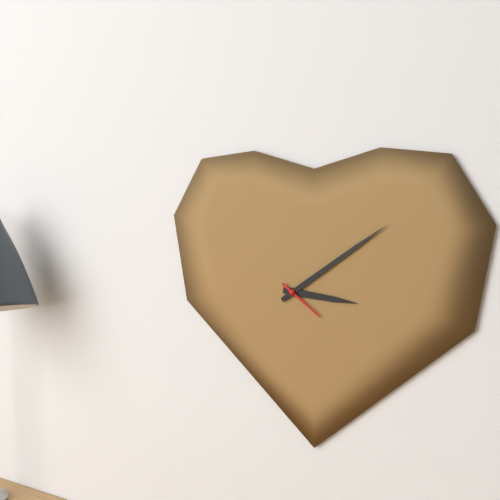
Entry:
h=3 m=9
